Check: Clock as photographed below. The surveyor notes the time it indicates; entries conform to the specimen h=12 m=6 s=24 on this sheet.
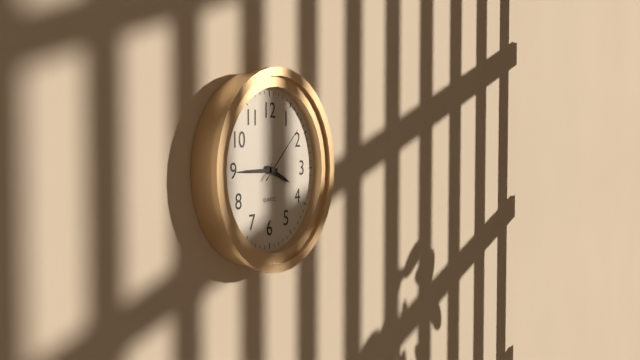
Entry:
h=3 m=45 s=8
